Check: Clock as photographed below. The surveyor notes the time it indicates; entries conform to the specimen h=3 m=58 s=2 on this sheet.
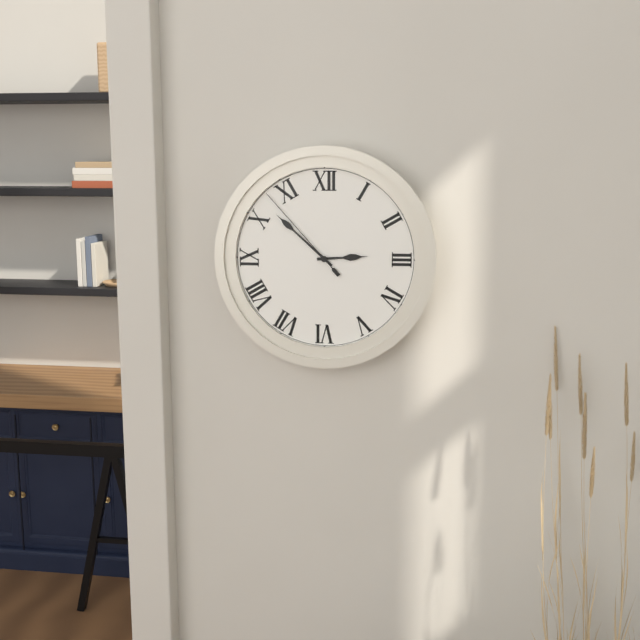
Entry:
h=2 m=52 s=53
